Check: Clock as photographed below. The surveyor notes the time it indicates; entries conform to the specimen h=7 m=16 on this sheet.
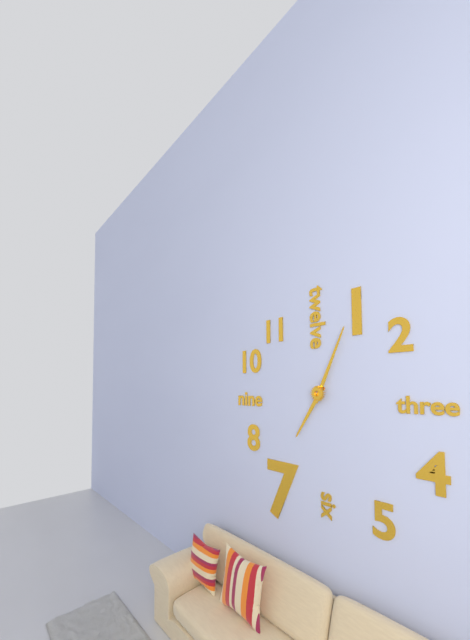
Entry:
h=7 m=4
